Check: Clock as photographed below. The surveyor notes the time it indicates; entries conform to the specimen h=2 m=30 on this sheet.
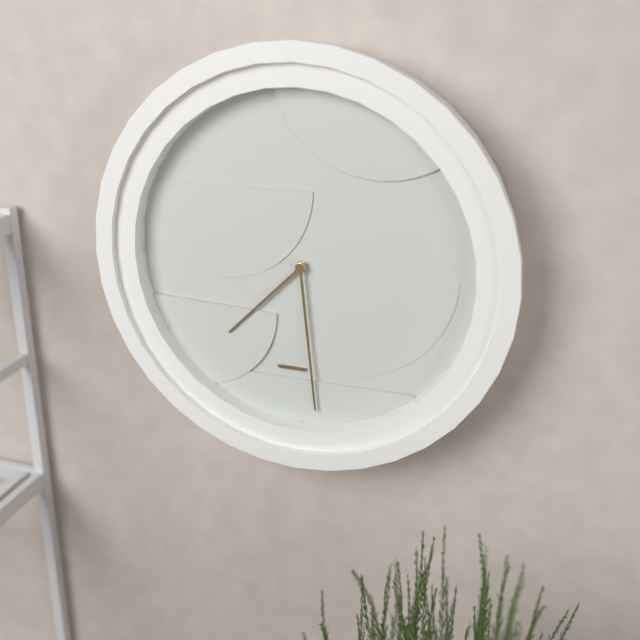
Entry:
h=7 m=29
